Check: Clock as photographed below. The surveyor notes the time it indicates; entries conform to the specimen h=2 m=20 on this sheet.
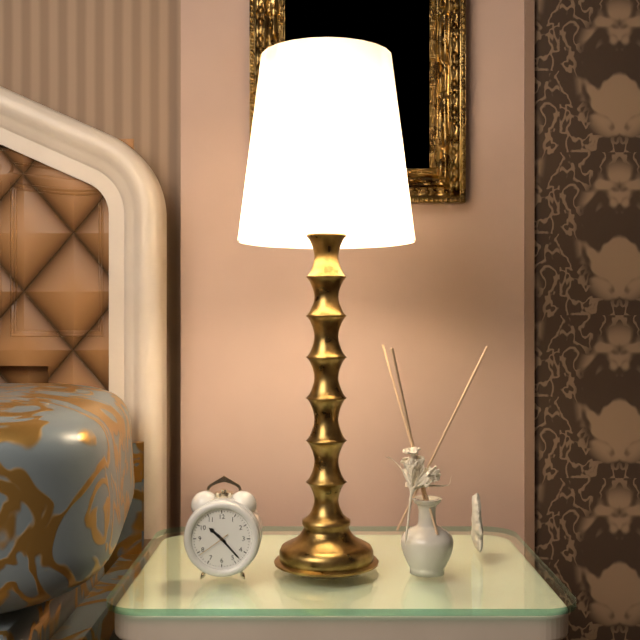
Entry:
h=10 m=23
